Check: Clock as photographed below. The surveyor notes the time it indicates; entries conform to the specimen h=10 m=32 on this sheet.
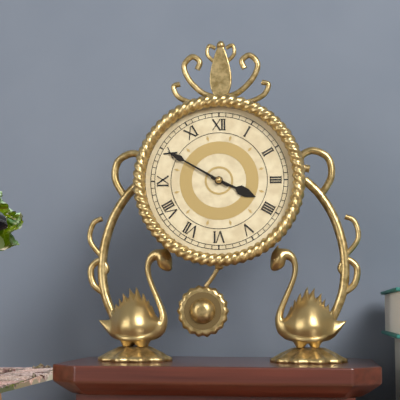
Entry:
h=3 m=50
